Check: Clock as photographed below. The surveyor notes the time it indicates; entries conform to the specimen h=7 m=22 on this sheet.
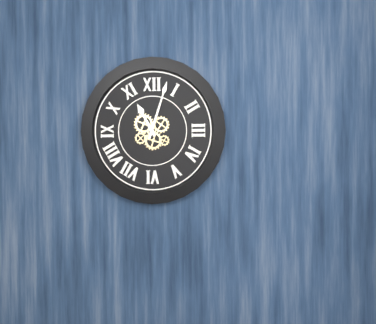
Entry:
h=11 m=3
